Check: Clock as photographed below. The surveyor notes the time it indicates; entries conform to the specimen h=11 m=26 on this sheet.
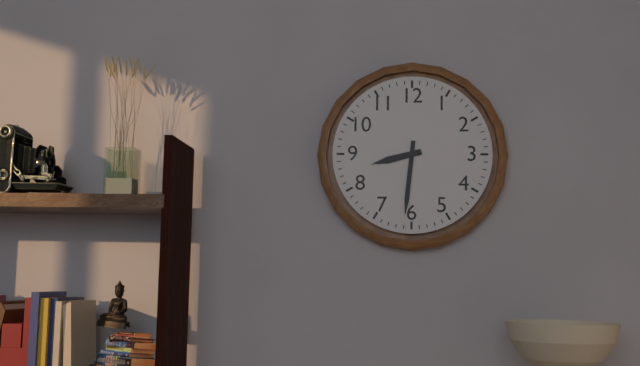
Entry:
h=8 m=31
